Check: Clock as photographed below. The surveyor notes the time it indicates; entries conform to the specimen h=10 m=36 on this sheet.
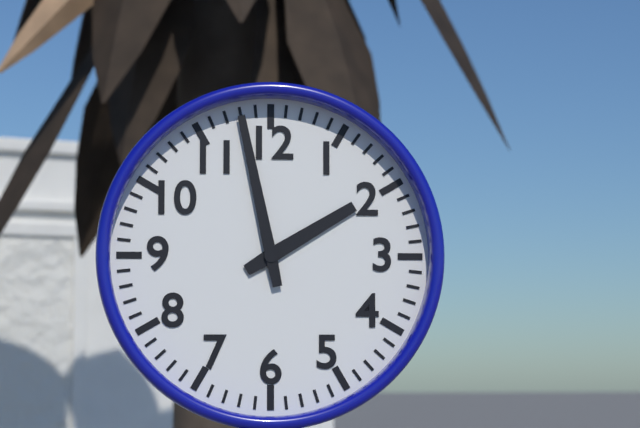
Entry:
h=1 m=58
